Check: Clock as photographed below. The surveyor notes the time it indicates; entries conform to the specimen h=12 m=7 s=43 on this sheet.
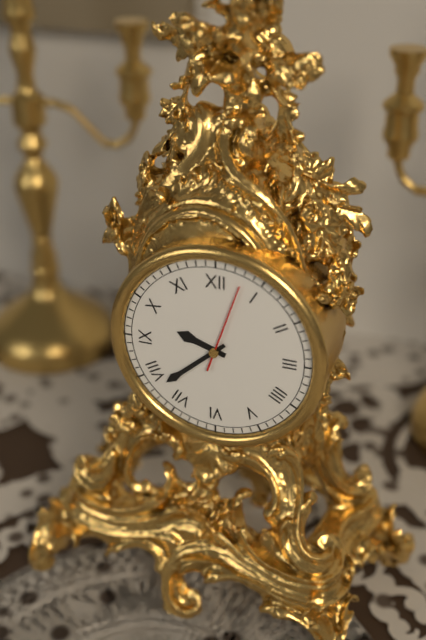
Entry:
h=9 m=38 s=3
